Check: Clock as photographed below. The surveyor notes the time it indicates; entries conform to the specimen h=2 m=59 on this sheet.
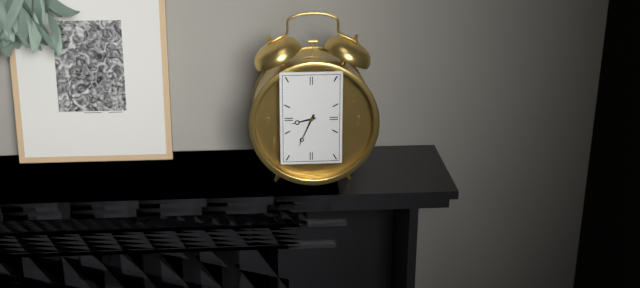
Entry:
h=8 m=34
